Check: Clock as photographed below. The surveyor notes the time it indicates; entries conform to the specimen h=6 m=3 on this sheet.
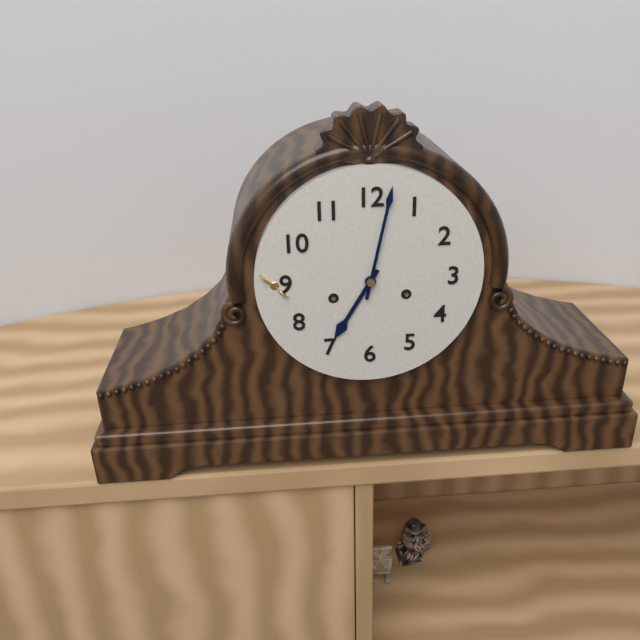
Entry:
h=7 m=2
